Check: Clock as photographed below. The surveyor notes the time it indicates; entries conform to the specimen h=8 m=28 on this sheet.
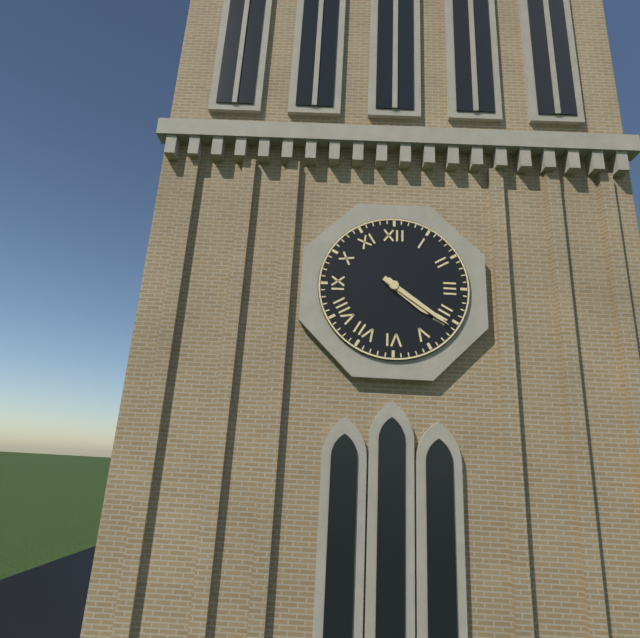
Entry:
h=4 m=21
